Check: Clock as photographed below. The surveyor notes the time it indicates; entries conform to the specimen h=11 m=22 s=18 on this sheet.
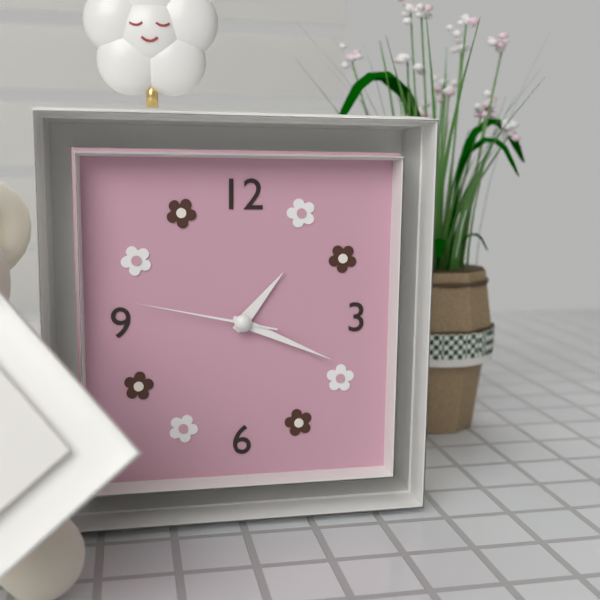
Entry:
h=1 m=19 s=47
